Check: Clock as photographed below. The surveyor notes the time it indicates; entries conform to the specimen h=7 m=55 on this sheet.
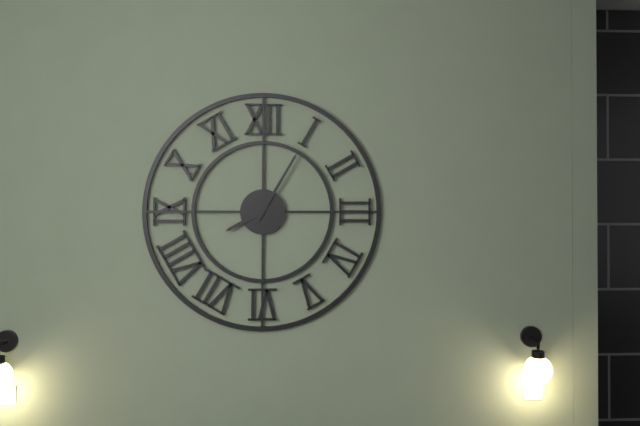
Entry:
h=8 m=5
